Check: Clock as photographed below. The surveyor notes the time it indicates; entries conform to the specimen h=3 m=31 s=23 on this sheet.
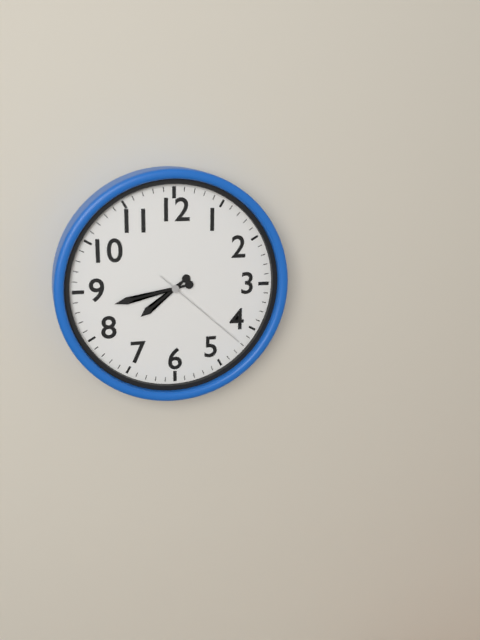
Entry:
h=7 m=43 s=22
